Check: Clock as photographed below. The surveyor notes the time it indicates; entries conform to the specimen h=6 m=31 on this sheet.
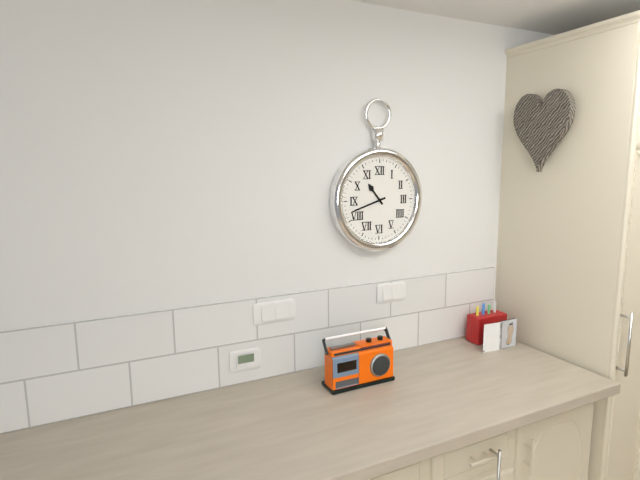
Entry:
h=10 m=42
